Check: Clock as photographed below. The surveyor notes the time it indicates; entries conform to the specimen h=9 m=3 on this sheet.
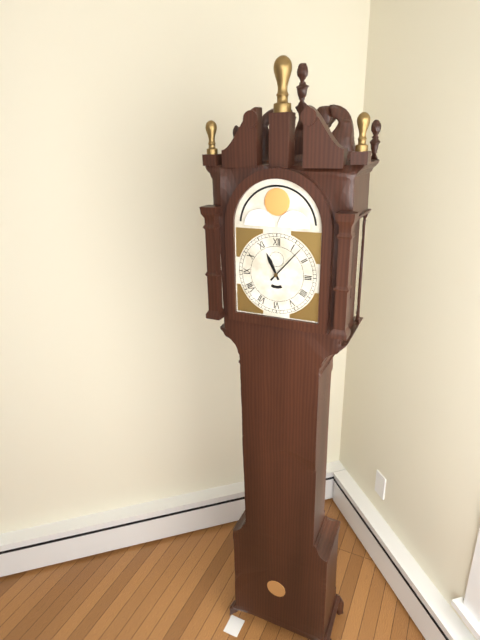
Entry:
h=11 m=7
